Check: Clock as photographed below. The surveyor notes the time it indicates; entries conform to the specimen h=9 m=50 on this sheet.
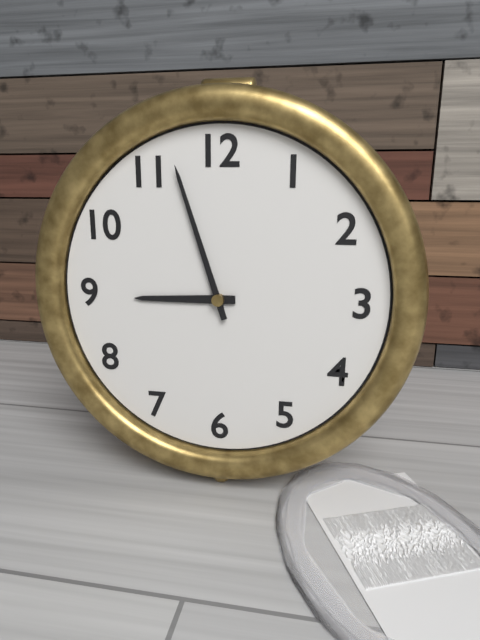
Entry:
h=8 m=57
